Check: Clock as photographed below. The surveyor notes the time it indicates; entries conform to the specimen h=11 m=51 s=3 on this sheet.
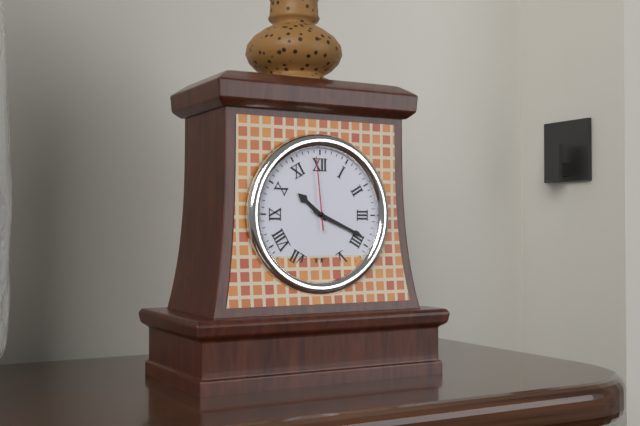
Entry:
h=10 m=19 s=59
